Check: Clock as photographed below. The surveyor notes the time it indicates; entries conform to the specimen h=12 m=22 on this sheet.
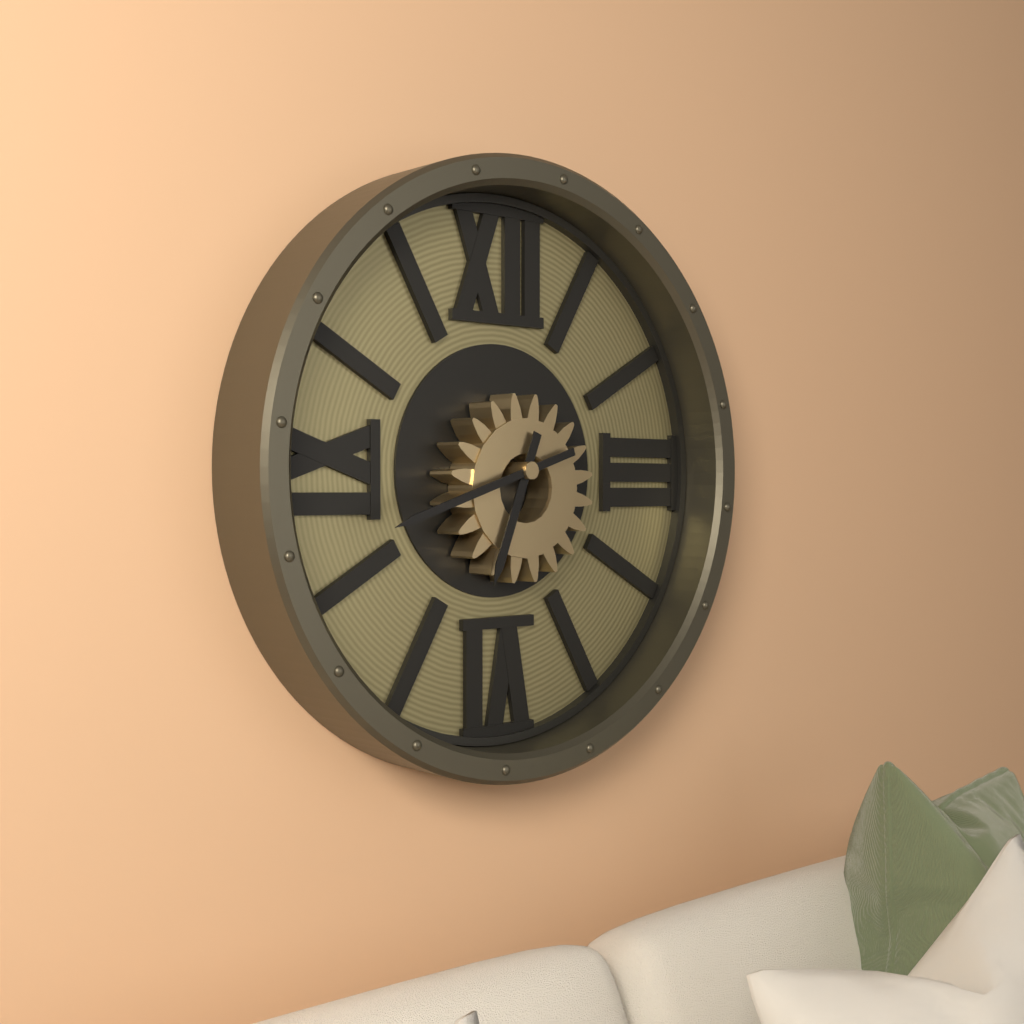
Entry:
h=6 m=42
